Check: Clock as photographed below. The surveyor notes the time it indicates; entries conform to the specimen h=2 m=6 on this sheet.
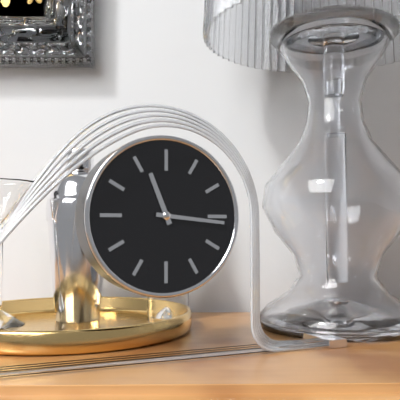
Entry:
h=11 m=16
